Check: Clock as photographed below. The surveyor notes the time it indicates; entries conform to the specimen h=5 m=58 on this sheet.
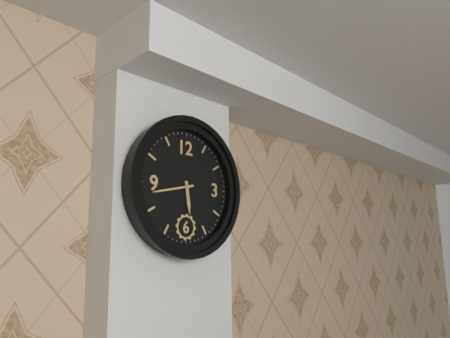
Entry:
h=5 m=43
